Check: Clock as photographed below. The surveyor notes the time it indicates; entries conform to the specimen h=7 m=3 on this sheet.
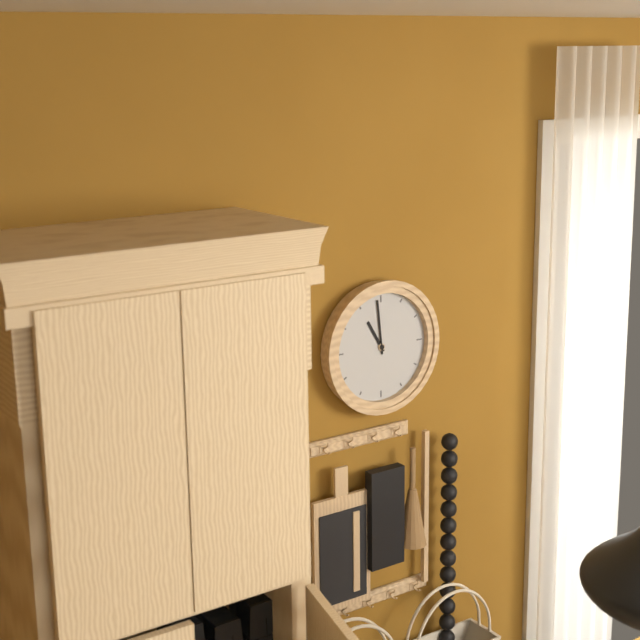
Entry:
h=10 m=59
